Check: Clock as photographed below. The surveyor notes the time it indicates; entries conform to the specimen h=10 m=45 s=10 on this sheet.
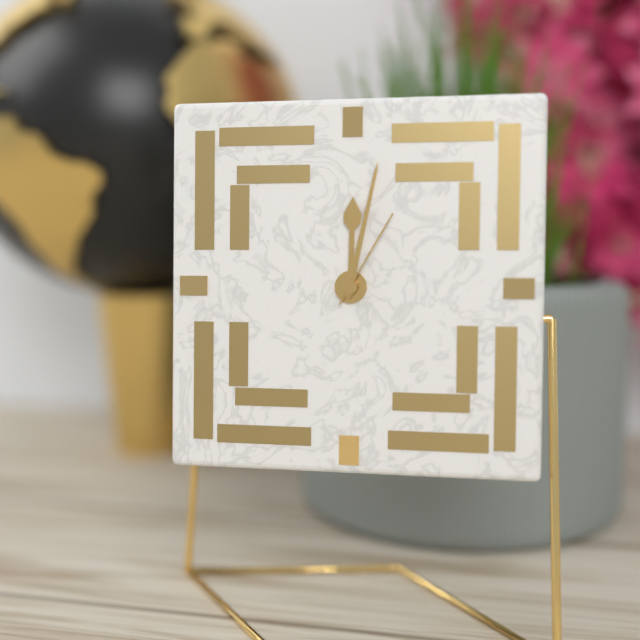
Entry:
h=12 m=2 s=5
